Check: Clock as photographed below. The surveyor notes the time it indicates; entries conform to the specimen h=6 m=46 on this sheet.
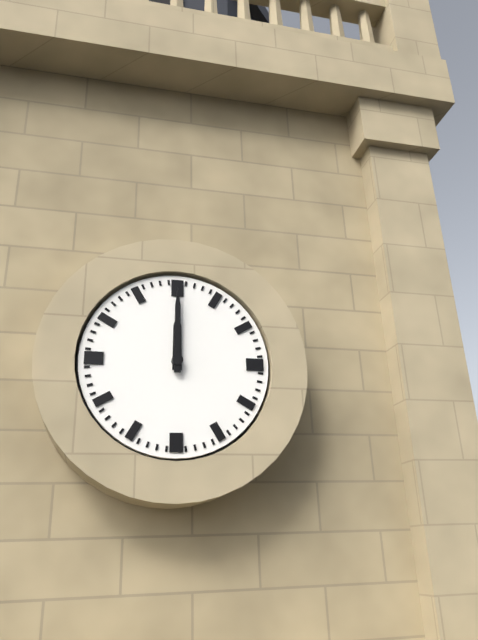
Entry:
h=12 m=0
